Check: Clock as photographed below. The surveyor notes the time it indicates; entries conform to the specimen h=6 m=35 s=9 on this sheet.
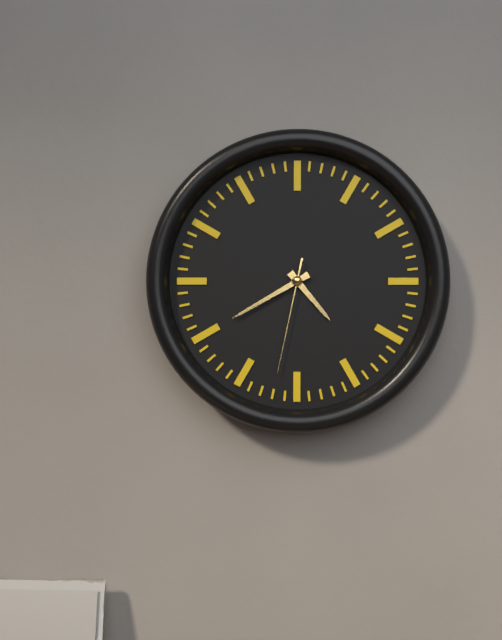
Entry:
h=4 m=40 s=32
